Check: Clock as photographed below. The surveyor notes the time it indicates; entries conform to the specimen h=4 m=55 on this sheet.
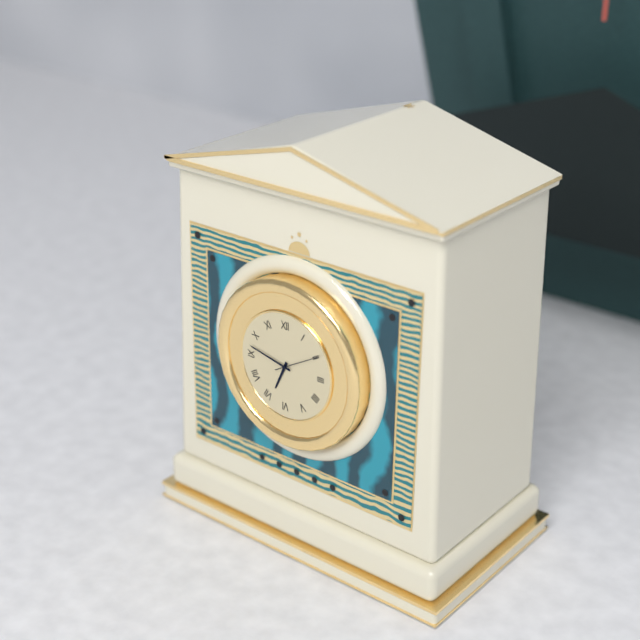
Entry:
h=6 m=47
